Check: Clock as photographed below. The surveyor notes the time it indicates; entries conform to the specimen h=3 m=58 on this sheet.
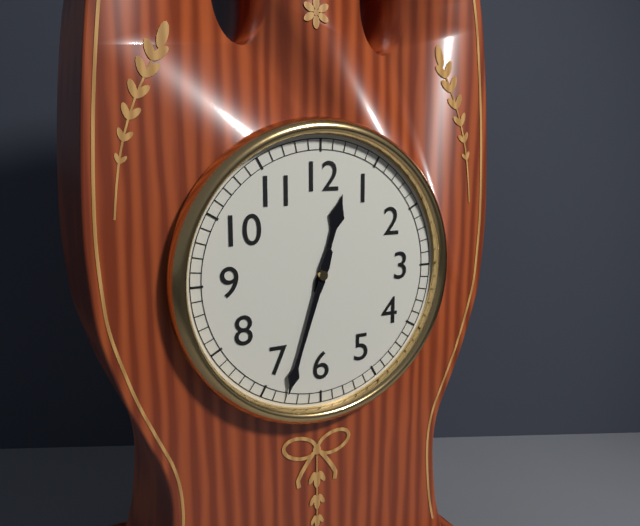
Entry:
h=12 m=33
